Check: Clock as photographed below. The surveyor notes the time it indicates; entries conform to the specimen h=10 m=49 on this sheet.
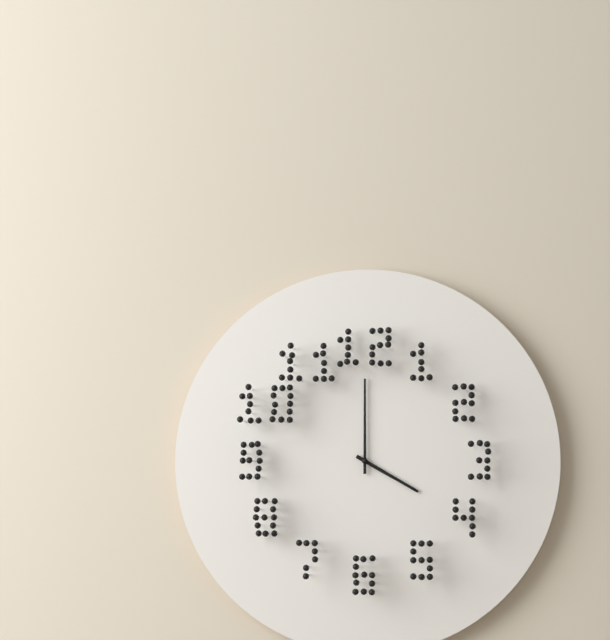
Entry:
h=4 m=0
